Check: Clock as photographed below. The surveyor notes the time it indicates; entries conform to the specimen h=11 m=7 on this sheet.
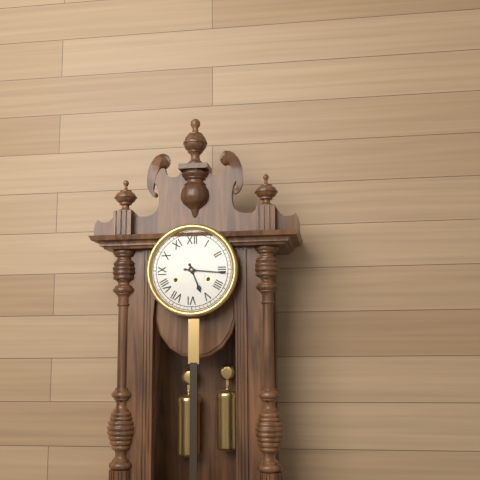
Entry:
h=5 m=16
